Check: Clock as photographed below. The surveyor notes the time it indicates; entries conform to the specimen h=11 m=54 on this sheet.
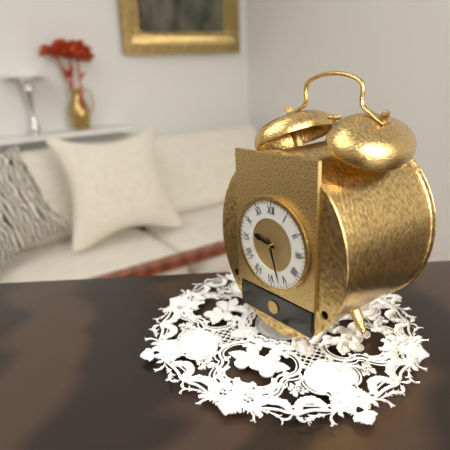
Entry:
h=9 m=27
